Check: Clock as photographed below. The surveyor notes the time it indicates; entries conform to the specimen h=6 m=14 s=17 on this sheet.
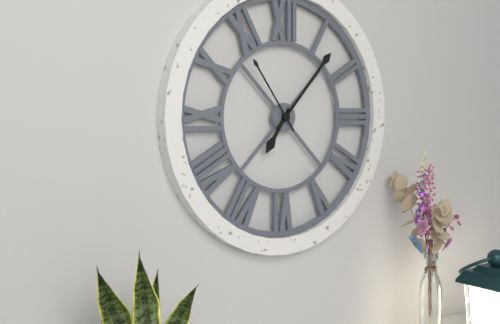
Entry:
h=7 m=7 s=54
